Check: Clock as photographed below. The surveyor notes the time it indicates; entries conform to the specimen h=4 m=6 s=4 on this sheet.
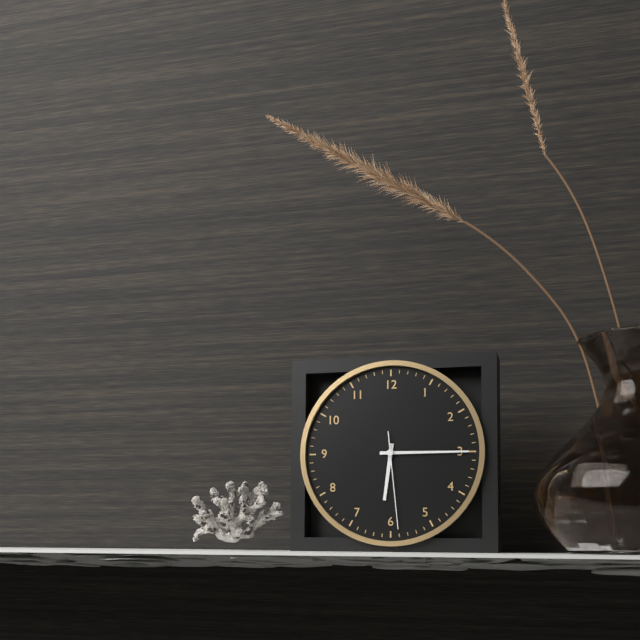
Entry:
h=6 m=15 s=29
